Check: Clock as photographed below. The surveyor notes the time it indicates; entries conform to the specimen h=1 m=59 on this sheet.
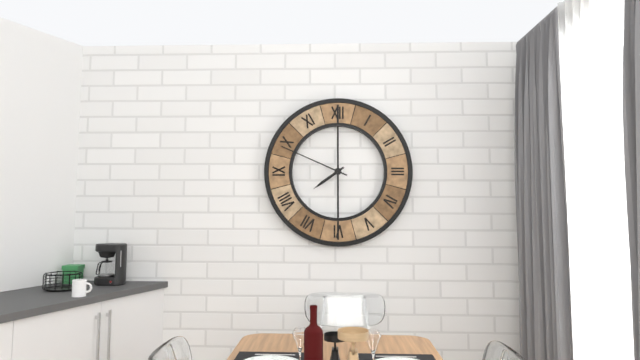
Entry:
h=7 m=49
